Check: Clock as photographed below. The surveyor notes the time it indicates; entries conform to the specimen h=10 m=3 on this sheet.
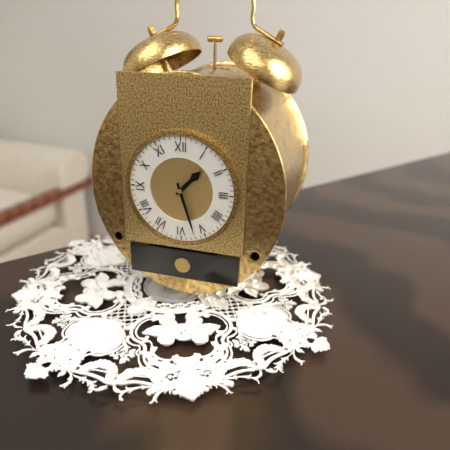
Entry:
h=1 m=27
